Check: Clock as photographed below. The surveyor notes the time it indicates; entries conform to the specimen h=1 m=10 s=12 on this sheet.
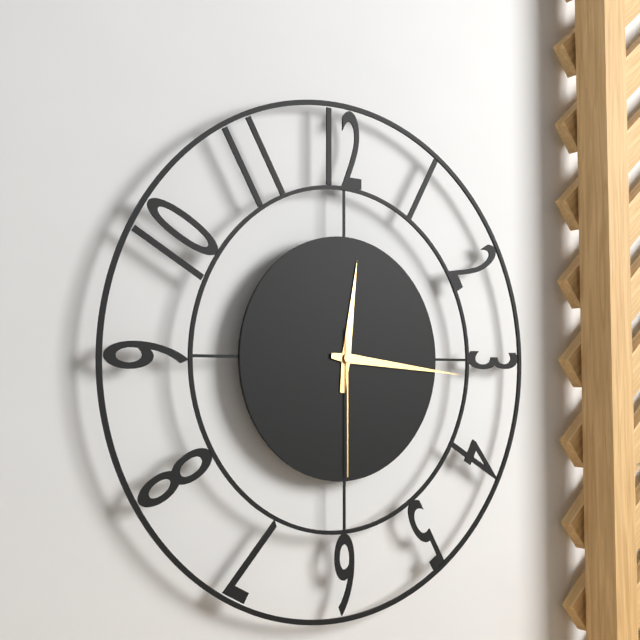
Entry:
h=12 m=16 s=30
